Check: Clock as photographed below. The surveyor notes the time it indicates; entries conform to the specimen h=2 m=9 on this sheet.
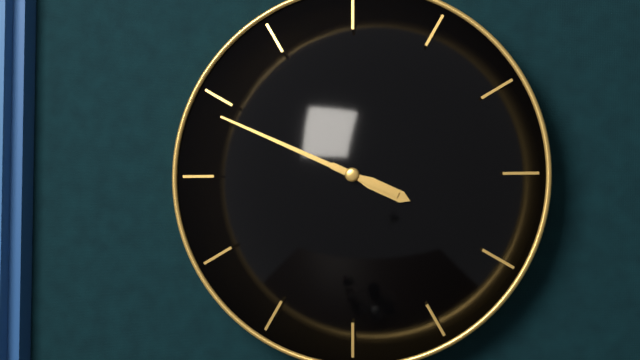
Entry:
h=3 m=49
